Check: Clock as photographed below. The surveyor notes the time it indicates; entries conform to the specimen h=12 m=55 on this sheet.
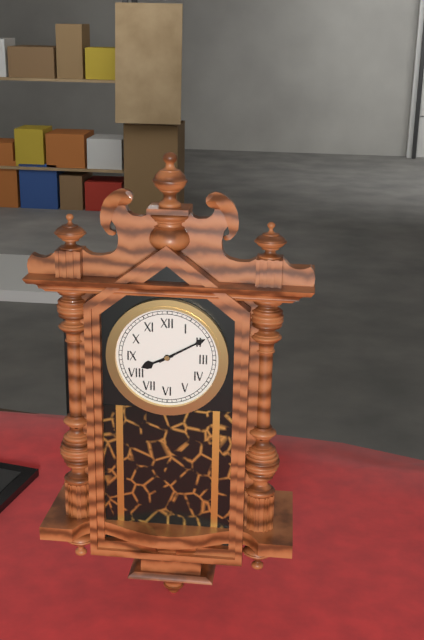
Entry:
h=8 m=10
